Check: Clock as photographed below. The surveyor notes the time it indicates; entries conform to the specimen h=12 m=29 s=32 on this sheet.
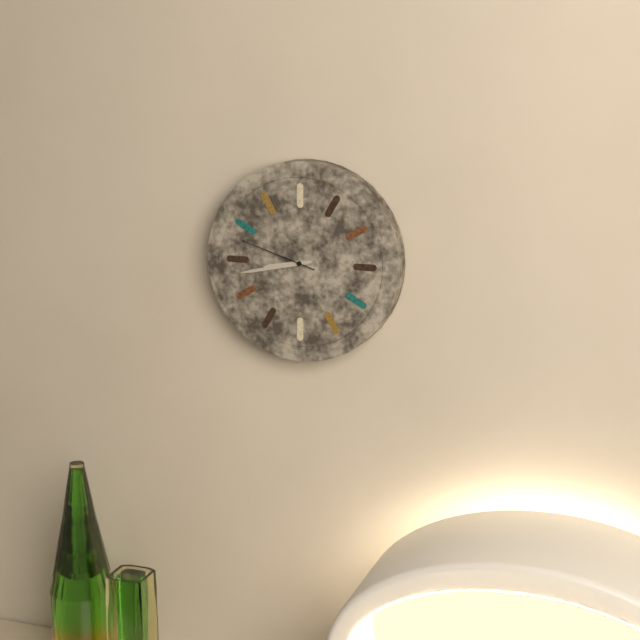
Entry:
h=8 m=43 s=48
